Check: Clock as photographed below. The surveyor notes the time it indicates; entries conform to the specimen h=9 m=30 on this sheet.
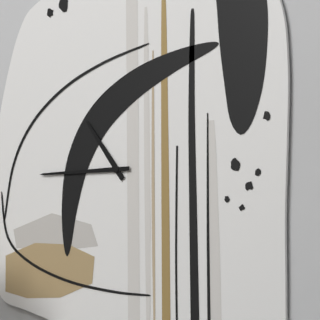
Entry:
h=10 m=45
